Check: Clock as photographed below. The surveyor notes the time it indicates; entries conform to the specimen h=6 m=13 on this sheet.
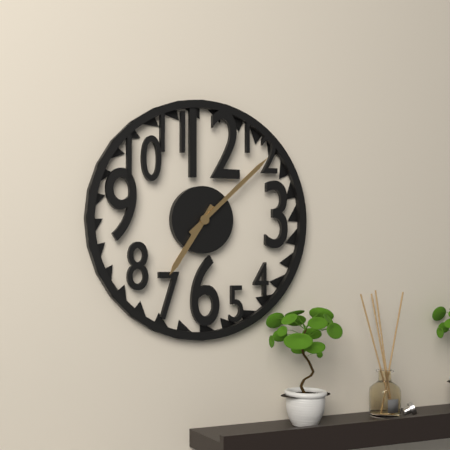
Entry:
h=7 m=8
